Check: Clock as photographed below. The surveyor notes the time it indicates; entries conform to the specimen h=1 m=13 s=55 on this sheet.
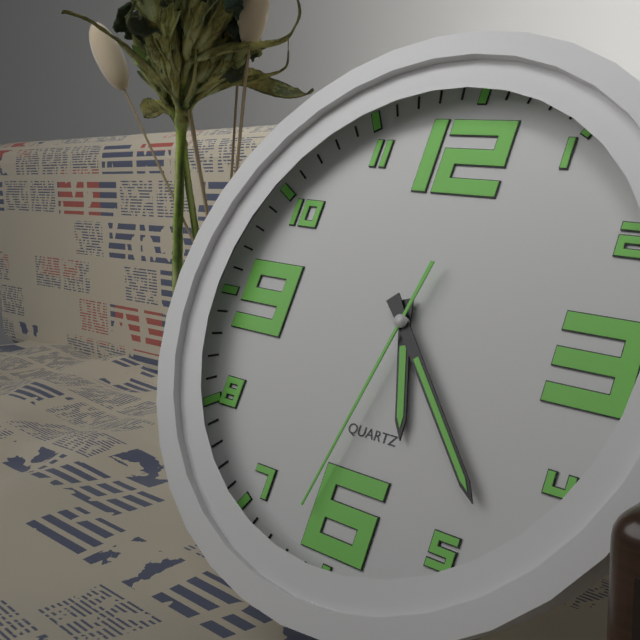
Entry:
h=5 m=23 s=32
